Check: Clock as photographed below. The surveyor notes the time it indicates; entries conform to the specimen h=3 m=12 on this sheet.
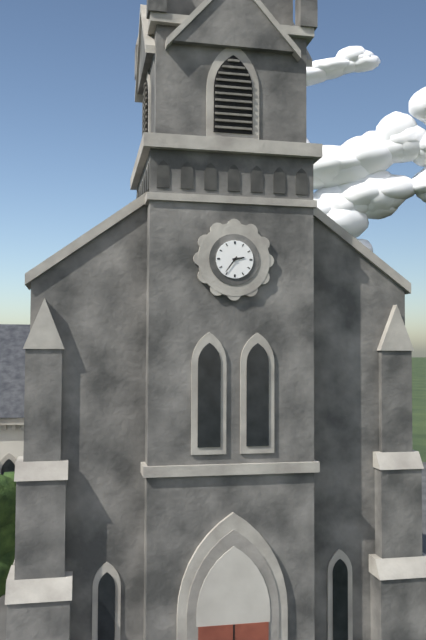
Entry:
h=2 m=36
